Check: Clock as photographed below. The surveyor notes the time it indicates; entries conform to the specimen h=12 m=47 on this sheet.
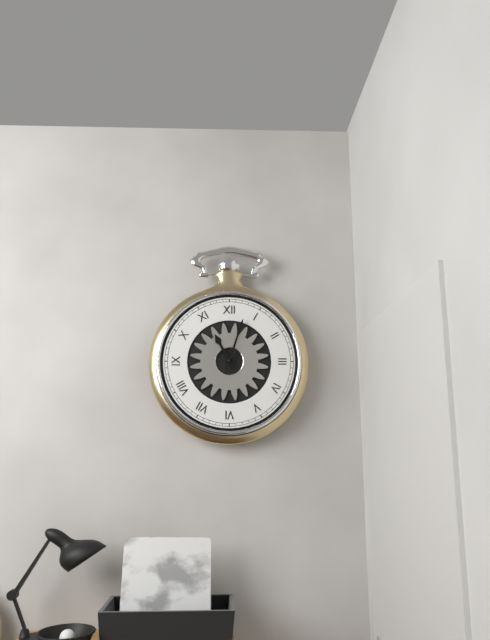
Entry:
h=11 m=3
